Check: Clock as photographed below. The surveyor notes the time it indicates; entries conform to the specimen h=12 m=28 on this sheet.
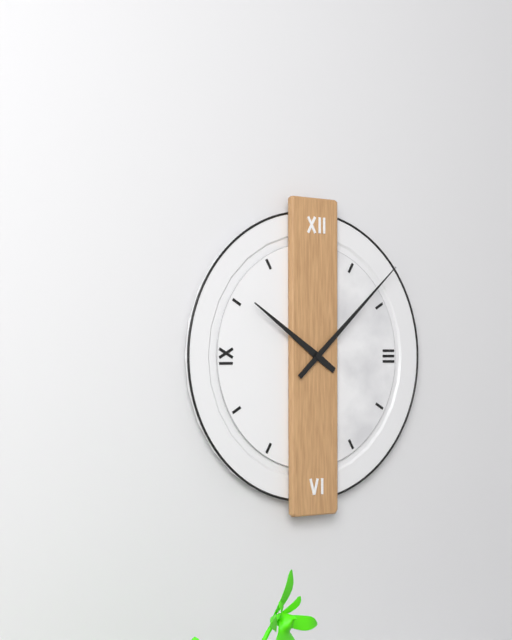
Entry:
h=10 m=8
